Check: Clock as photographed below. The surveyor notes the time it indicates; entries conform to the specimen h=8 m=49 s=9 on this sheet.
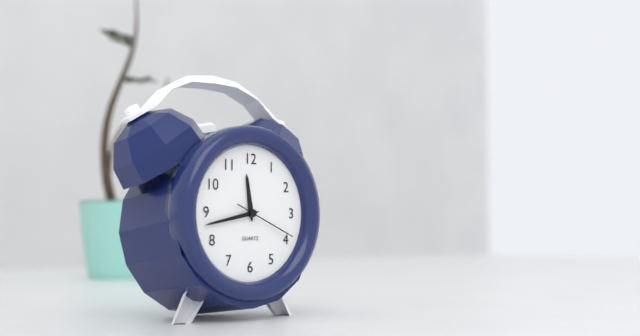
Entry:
h=11 m=43 s=19
